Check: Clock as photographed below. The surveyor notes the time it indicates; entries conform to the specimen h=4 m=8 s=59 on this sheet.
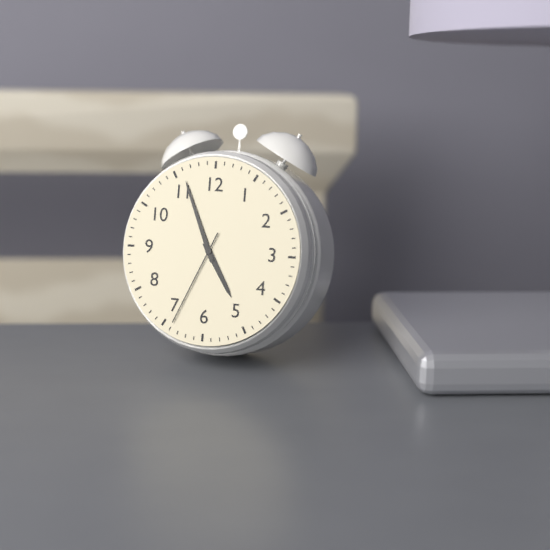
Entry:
h=4 m=56 s=34
